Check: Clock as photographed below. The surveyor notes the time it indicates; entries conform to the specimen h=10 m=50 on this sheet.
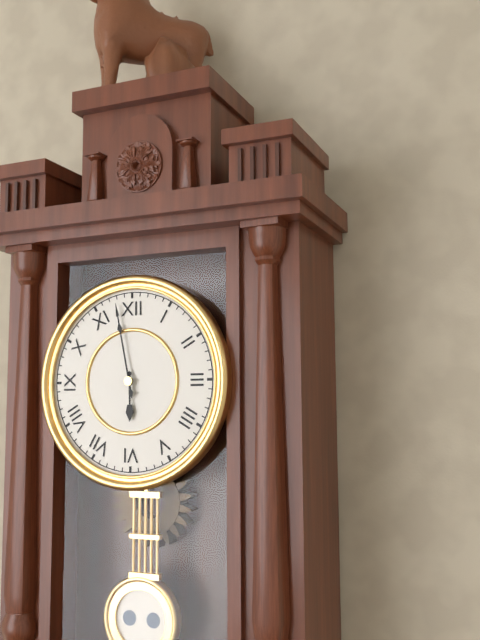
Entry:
h=5 m=58
